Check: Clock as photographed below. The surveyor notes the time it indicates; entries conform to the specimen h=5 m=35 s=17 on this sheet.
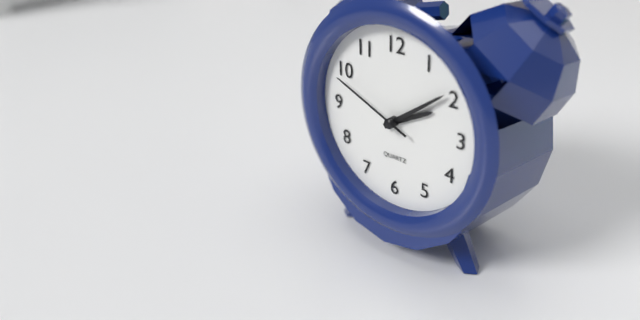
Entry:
h=2 m=9 s=49
